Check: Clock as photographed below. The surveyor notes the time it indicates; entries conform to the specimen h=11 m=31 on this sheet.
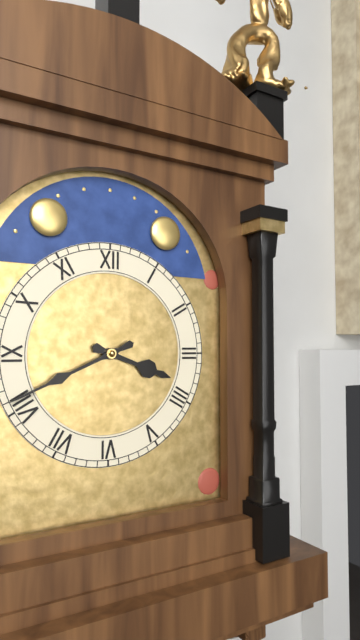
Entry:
h=3 m=41
